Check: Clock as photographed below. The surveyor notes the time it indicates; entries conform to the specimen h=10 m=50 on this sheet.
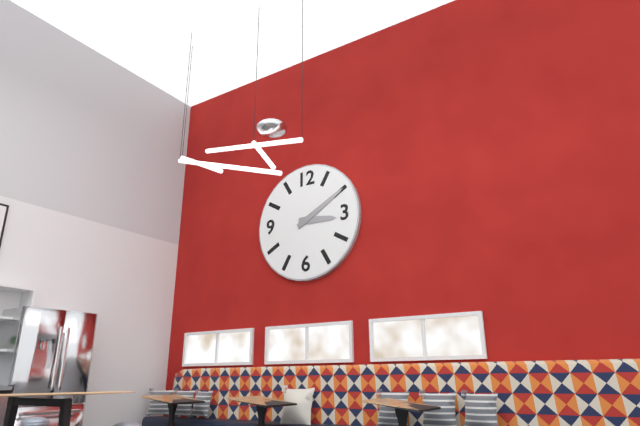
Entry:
h=3 m=10
